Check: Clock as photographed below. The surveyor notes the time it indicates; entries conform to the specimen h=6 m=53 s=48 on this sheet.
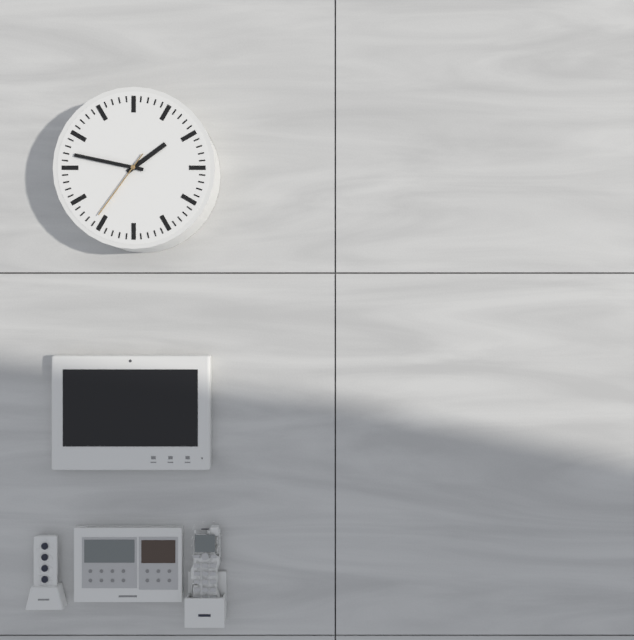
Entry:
h=1 m=47 s=36
